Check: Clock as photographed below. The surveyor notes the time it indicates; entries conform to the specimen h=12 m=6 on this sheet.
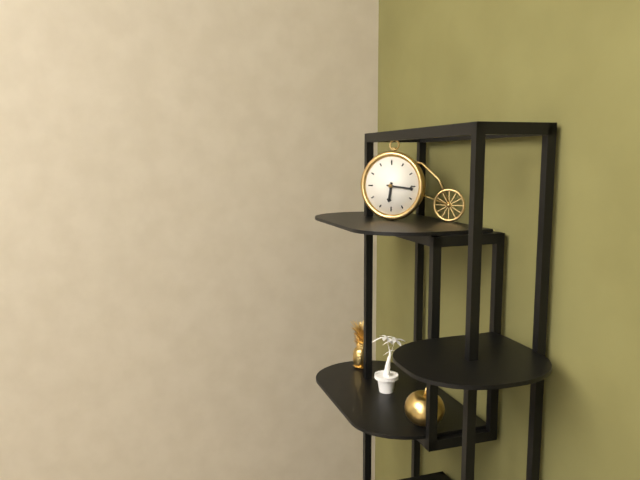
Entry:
h=6 m=16
